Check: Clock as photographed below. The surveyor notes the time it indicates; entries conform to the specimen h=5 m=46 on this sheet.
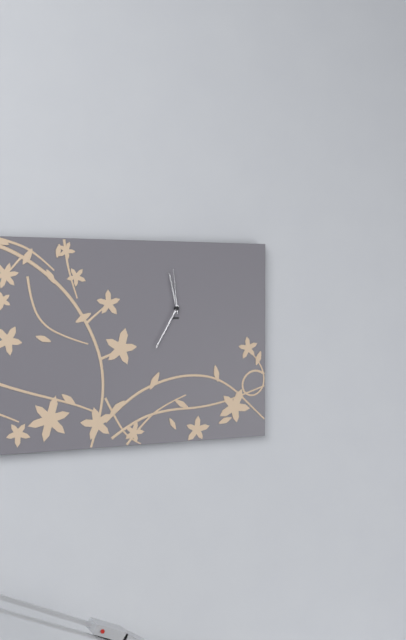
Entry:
h=11 m=35
